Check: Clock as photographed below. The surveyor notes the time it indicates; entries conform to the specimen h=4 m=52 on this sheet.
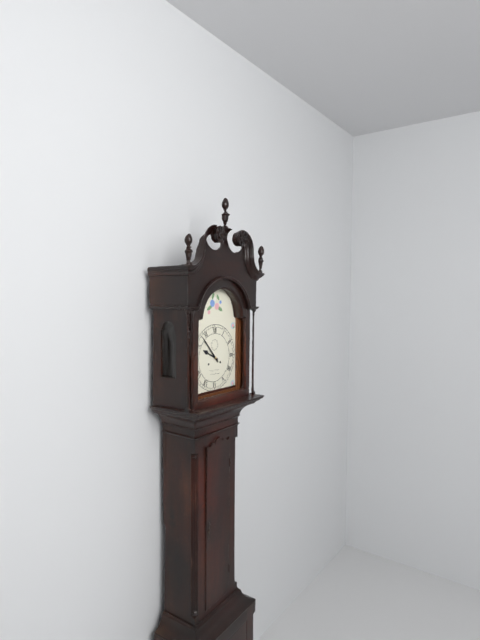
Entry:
h=9 m=53
